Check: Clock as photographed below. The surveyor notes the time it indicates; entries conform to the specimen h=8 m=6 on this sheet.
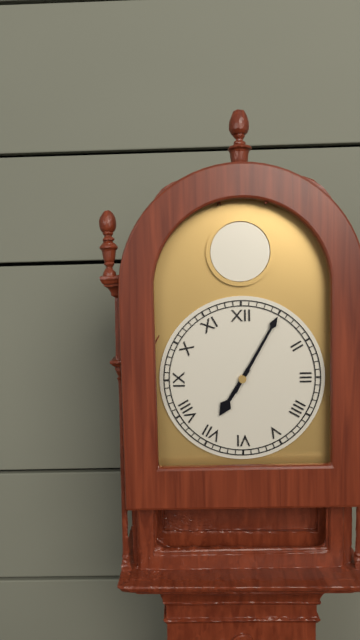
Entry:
h=7 m=5
